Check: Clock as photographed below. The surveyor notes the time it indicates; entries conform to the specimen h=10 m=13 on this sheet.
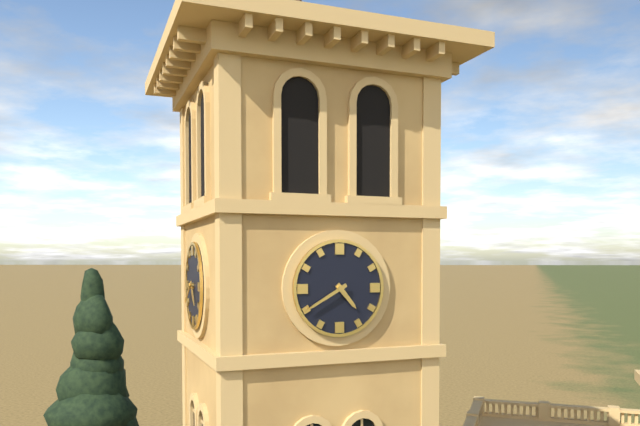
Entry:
h=4 m=40
